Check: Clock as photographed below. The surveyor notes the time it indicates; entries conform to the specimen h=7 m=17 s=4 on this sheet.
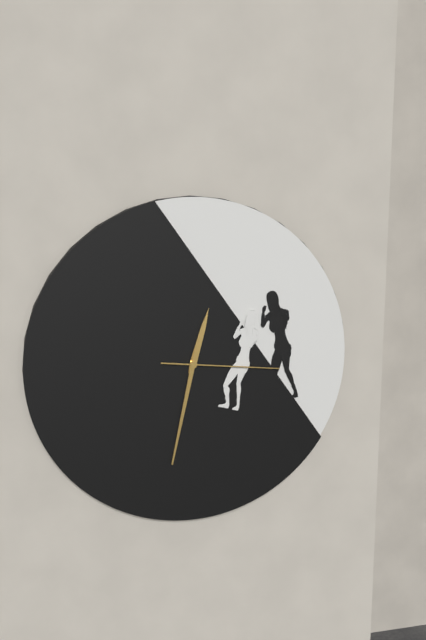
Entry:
h=12 m=32 s=16
